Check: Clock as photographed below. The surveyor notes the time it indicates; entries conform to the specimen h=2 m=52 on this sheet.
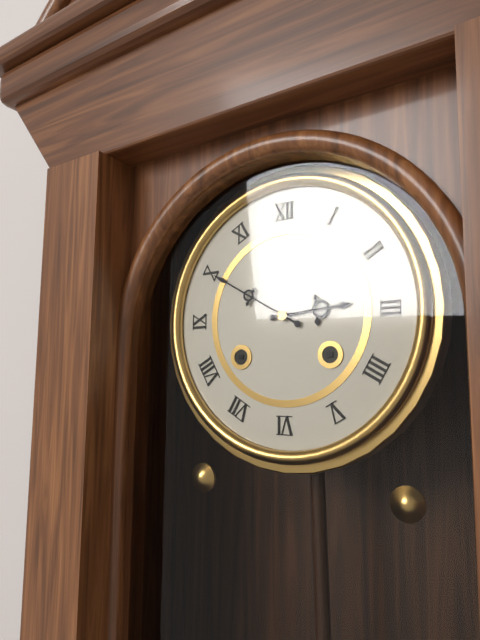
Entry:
h=2 m=50
